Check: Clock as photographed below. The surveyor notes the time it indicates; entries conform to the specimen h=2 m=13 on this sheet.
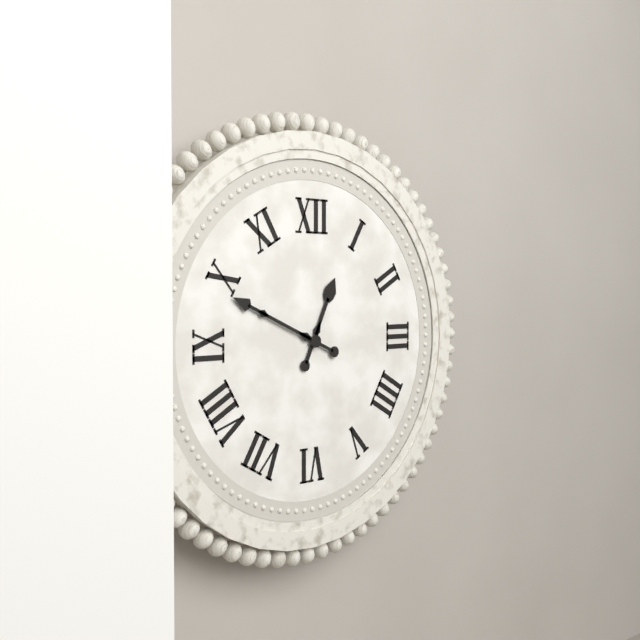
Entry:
h=12 m=49
